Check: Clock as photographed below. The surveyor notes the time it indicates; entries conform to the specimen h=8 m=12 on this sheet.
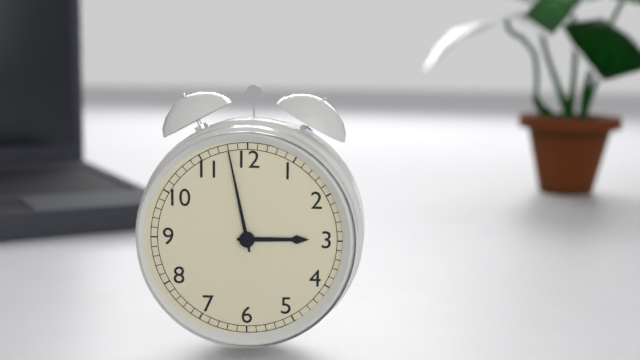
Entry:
h=2 m=58
